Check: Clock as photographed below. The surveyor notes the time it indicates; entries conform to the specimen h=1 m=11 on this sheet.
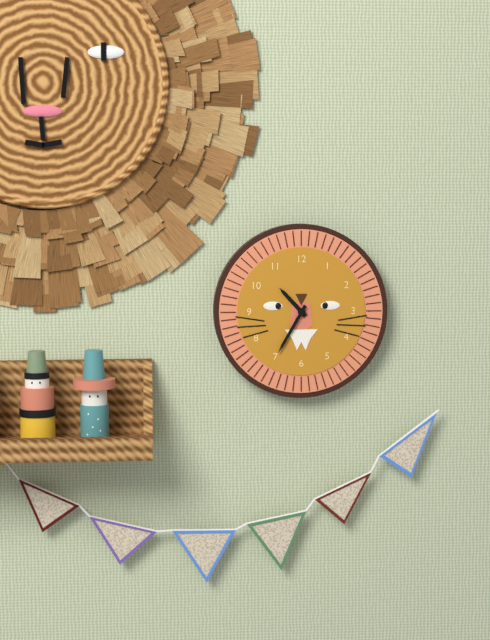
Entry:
h=10 m=35
